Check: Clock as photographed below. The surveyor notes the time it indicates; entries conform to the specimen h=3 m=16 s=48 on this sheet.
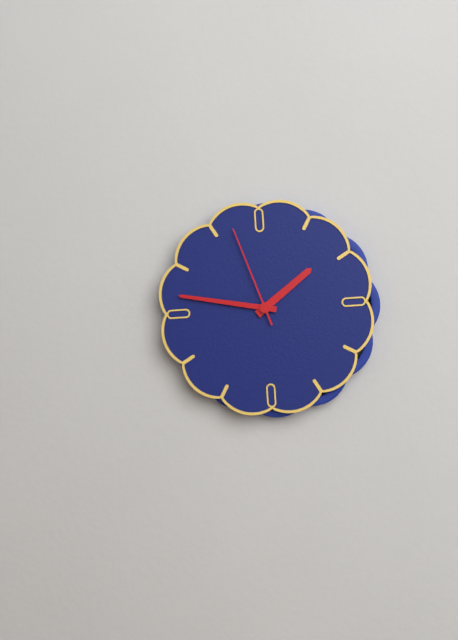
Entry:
h=1 m=47 s=57
